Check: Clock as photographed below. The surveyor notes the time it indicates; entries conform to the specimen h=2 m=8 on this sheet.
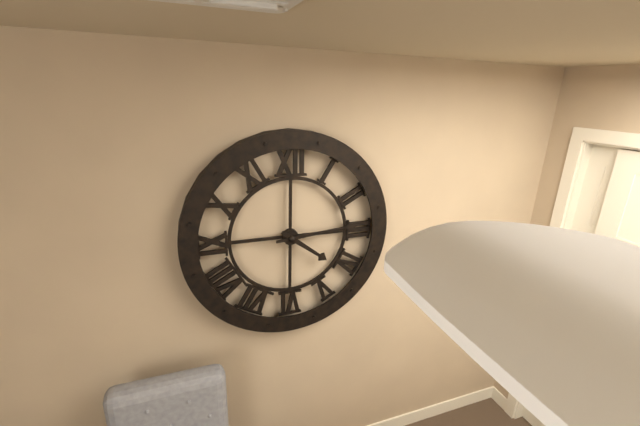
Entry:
h=4 m=14
